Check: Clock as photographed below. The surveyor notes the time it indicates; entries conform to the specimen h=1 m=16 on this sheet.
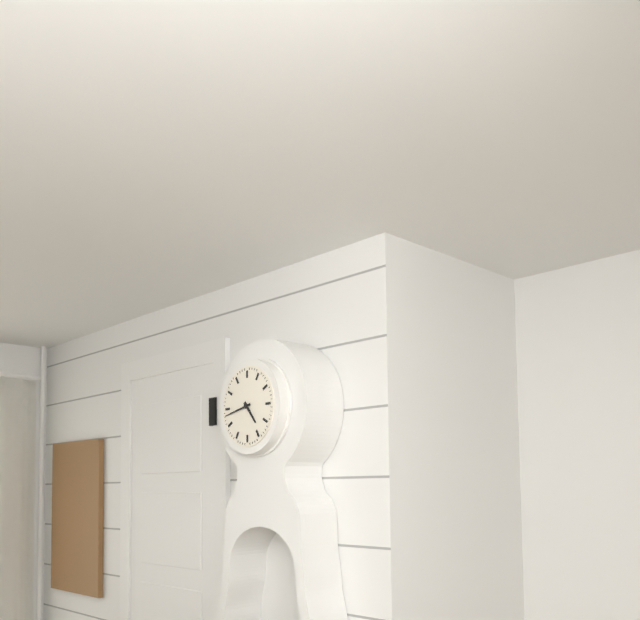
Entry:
h=4 m=43
